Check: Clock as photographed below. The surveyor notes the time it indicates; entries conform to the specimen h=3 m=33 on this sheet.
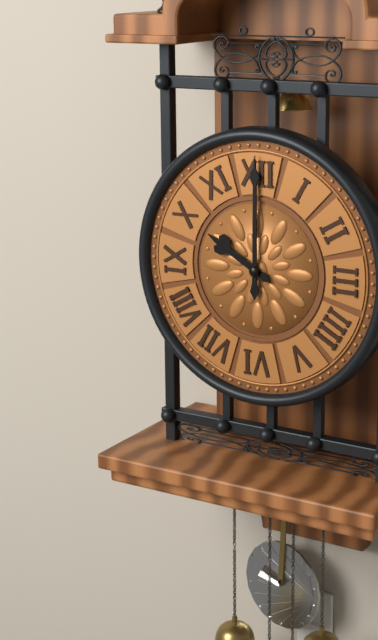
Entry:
h=10 m=0
